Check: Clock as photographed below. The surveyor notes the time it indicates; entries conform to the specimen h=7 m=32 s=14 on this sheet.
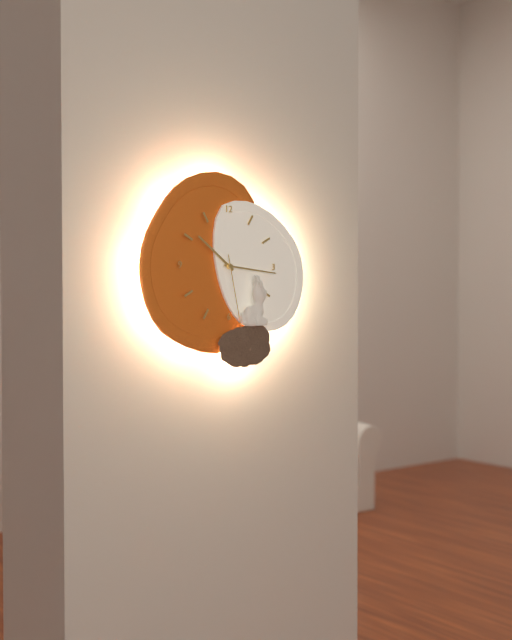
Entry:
h=10 m=16 s=28
